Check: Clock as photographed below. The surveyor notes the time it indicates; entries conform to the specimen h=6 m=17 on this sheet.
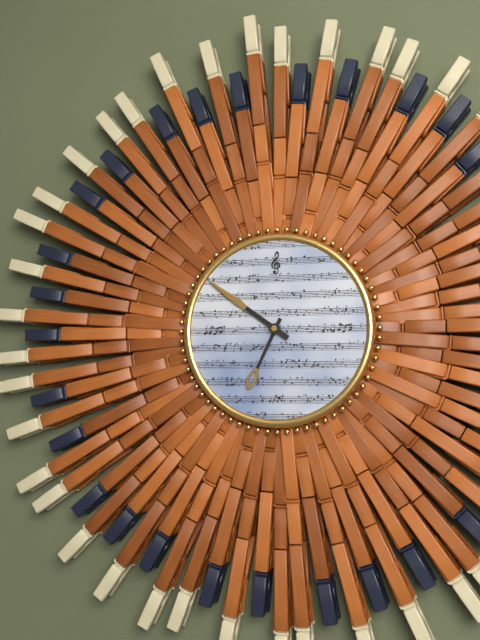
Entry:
h=6 m=51
